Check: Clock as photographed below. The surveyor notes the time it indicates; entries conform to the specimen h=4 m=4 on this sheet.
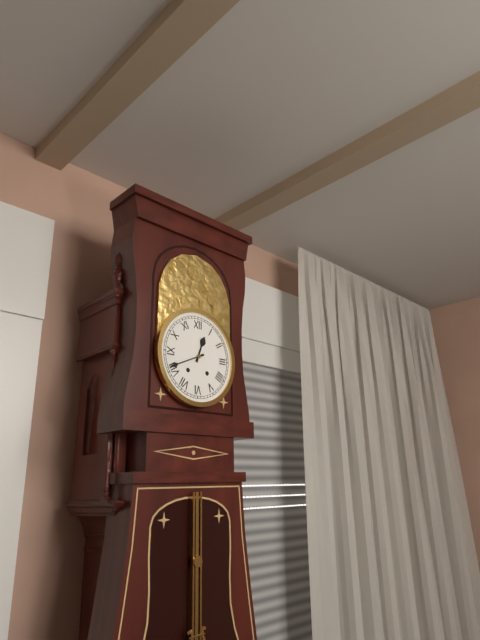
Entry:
h=12 m=41
